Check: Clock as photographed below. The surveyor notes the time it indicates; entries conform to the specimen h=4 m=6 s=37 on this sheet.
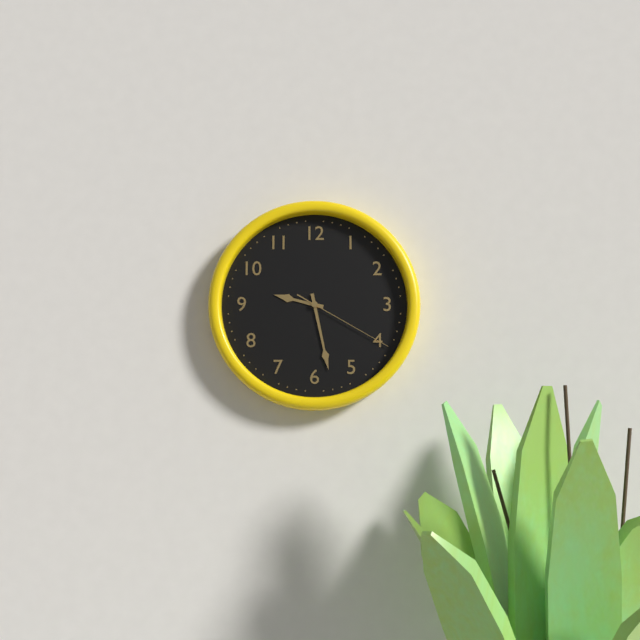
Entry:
h=9 m=28 s=20
